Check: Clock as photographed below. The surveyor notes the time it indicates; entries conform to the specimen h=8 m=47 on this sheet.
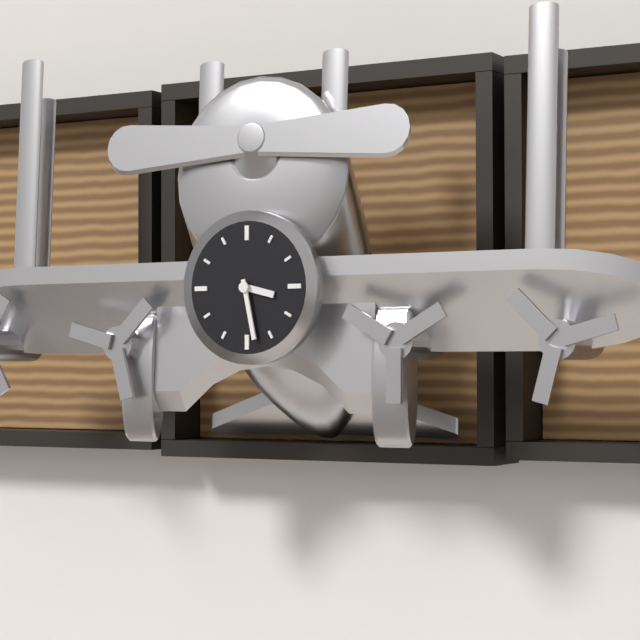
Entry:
h=3 m=28
